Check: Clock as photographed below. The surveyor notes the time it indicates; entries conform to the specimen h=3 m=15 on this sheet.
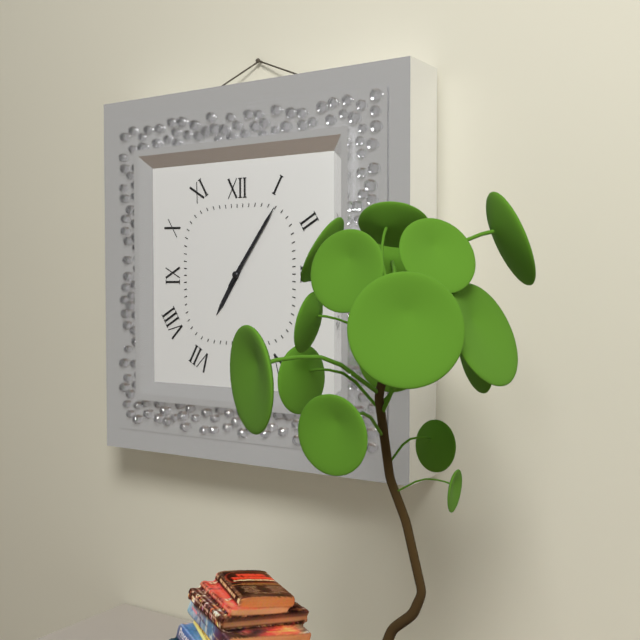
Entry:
h=7 m=6
